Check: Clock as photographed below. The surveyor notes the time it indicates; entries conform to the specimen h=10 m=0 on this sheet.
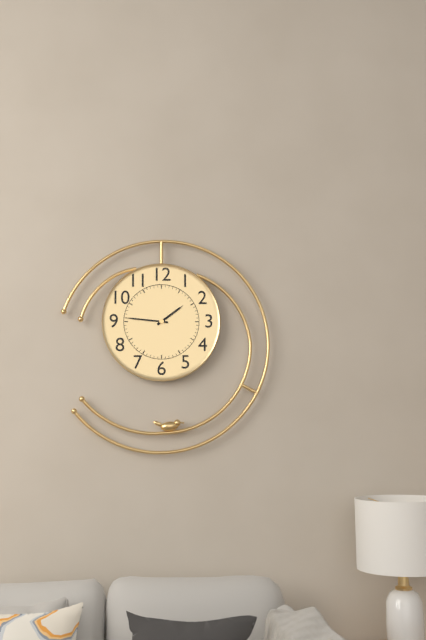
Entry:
h=1 m=46
